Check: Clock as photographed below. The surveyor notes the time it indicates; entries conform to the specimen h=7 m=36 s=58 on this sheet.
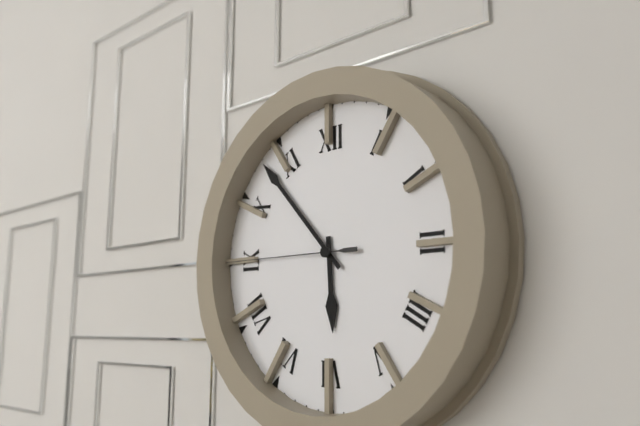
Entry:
h=5 m=53 s=45
